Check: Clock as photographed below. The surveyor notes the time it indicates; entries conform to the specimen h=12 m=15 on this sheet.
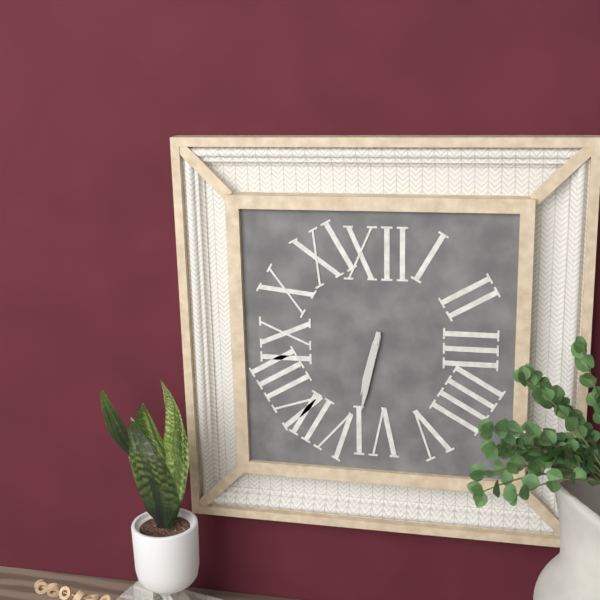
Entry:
h=6 m=32
